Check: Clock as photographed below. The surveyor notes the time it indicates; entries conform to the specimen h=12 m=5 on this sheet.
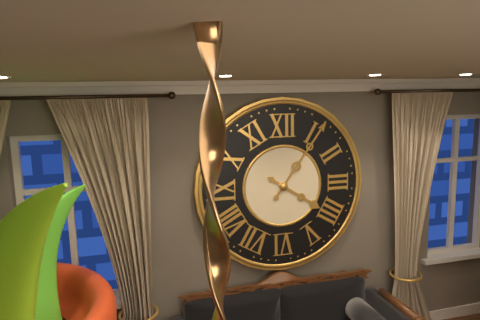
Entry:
h=4 m=6
